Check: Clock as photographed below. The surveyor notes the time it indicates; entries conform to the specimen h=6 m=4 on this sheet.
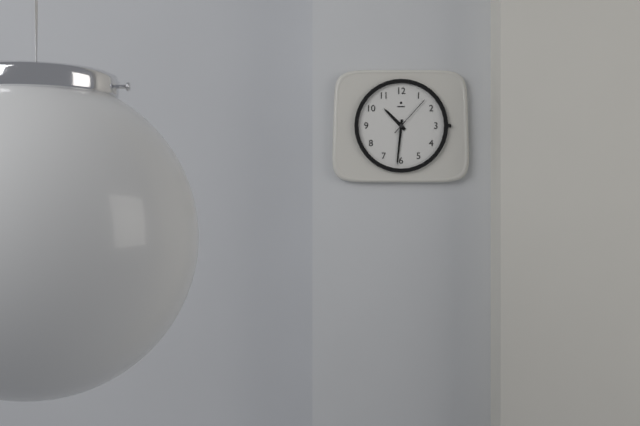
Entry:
h=10 m=31
